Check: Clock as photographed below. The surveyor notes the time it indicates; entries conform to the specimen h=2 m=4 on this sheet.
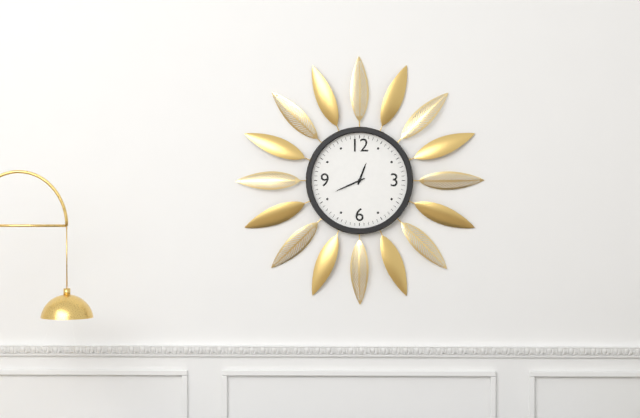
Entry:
h=12 m=41
